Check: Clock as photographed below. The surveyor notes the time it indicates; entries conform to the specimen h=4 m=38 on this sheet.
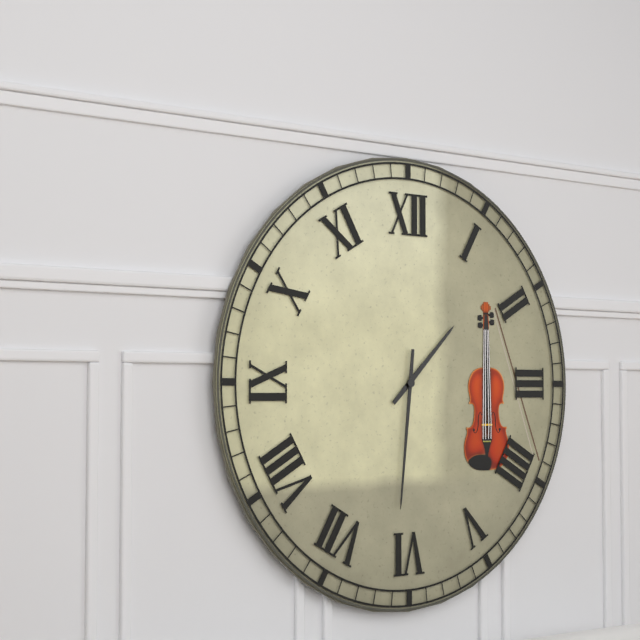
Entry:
h=1 m=31
